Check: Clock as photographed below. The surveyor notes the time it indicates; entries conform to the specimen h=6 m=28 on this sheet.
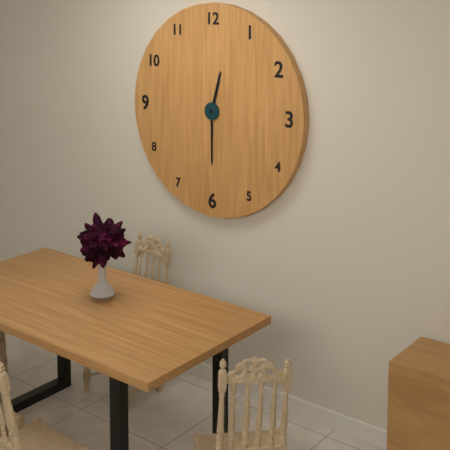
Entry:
h=12 m=30
